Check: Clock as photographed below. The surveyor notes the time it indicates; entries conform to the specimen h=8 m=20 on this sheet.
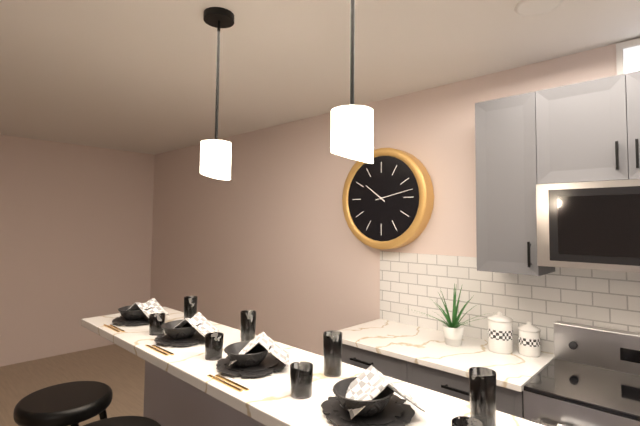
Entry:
h=10 m=13
